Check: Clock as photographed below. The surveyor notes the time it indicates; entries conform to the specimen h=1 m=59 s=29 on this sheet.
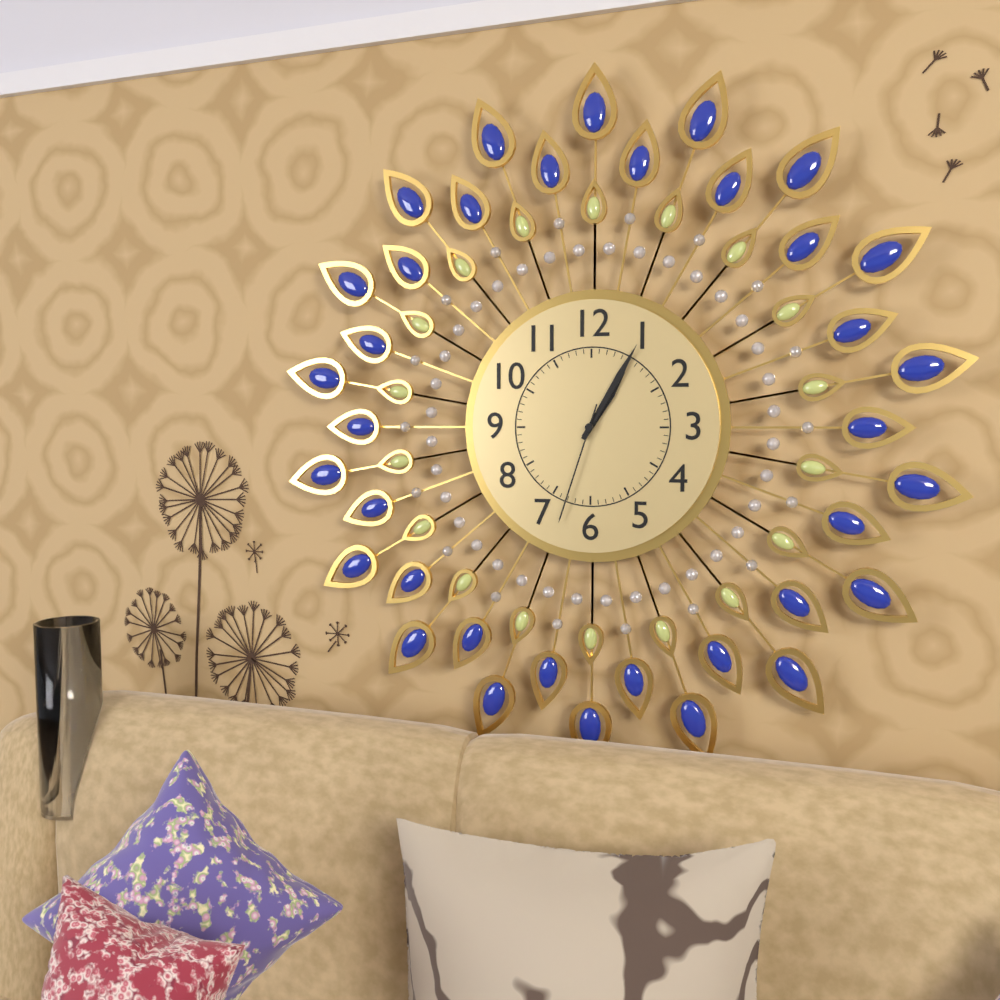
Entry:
h=1 m=5 s=33
